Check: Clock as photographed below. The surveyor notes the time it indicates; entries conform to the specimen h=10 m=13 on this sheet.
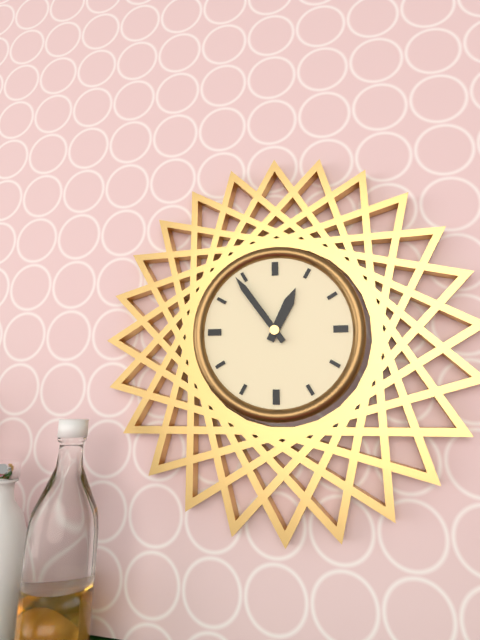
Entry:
h=12 m=54
